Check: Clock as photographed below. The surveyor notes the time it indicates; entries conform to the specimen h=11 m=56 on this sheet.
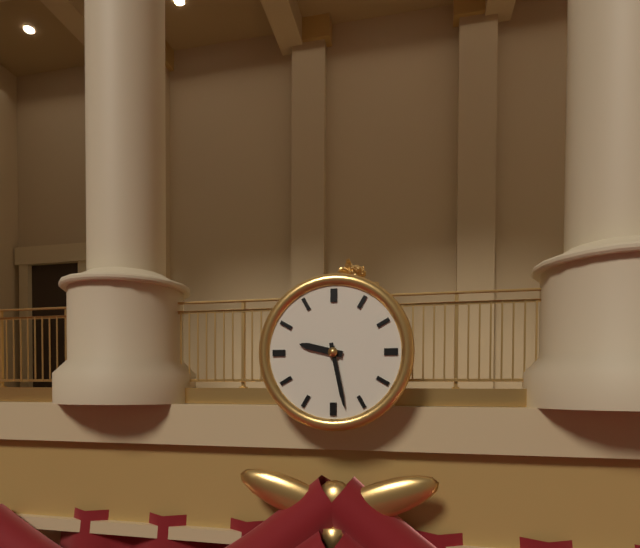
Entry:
h=9 m=28
